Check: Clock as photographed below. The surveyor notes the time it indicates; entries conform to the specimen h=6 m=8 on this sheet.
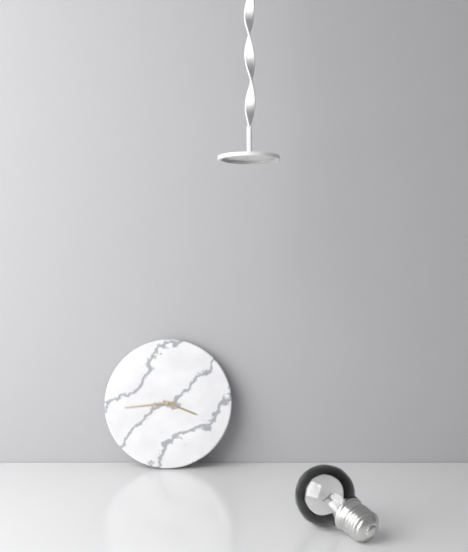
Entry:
h=3 m=44
